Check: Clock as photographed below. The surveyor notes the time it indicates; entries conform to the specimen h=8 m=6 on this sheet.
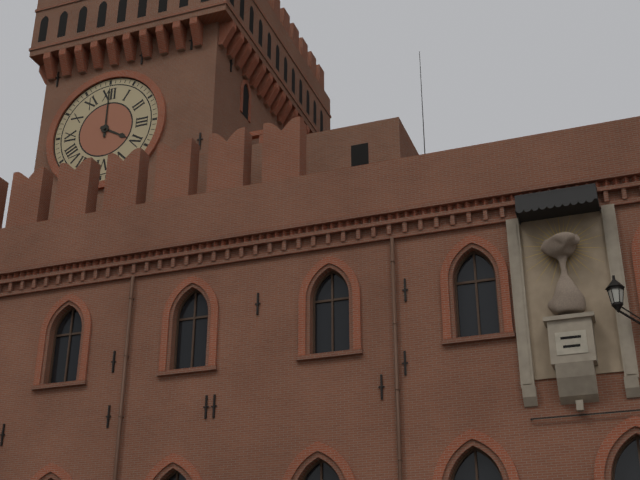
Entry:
h=4 m=0
